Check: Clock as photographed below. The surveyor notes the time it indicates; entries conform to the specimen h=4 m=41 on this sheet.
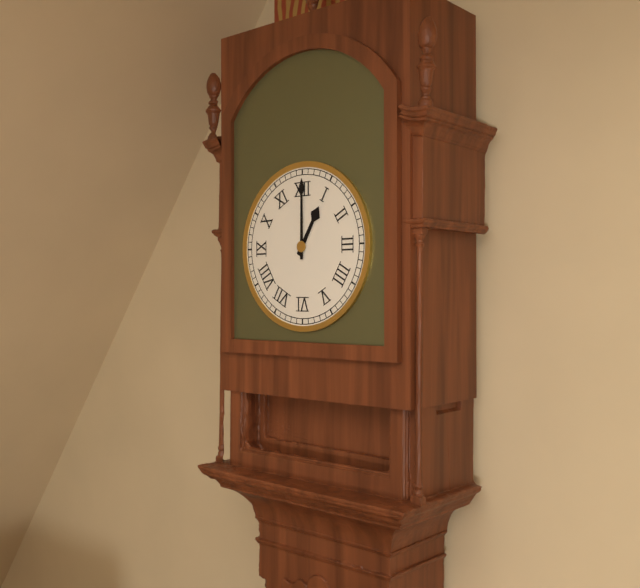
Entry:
h=1 m=0
